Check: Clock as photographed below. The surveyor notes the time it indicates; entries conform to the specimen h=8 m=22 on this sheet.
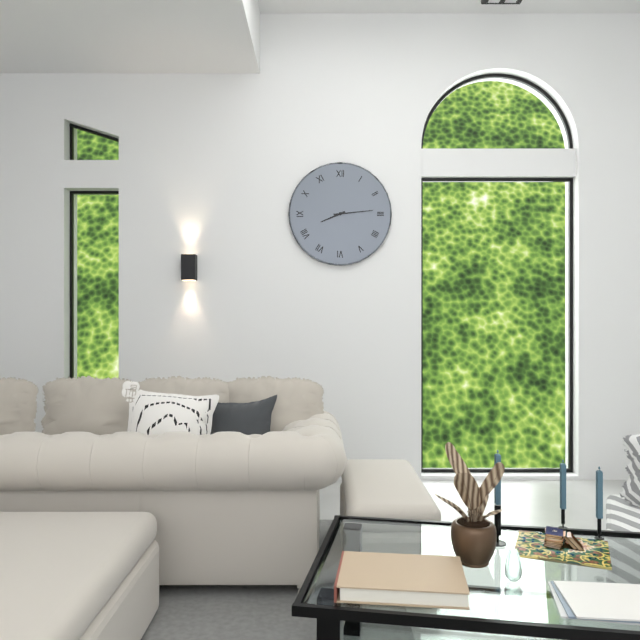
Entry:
h=8 m=14
